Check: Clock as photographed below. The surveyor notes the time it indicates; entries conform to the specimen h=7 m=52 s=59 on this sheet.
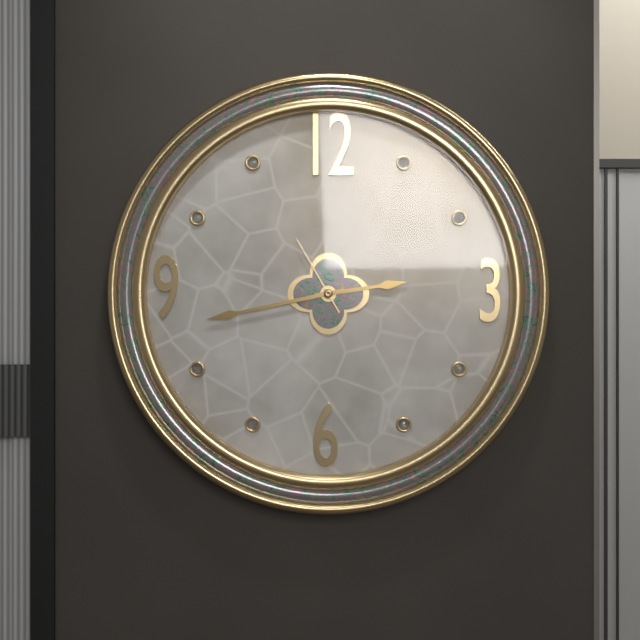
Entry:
h=2 m=43 s=55
